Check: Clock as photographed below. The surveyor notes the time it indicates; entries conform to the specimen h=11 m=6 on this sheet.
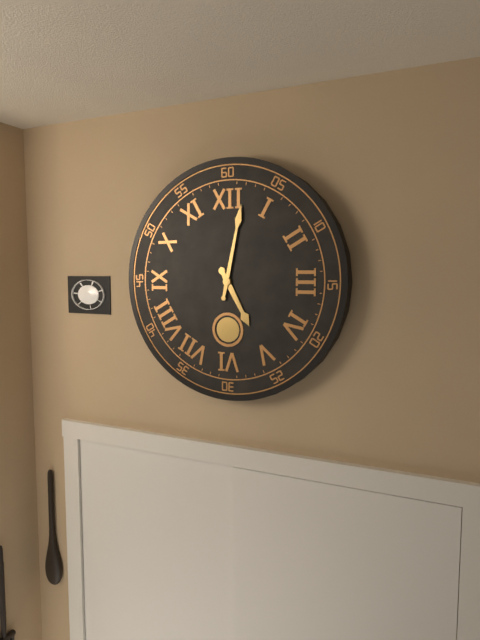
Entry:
h=5 m=2
